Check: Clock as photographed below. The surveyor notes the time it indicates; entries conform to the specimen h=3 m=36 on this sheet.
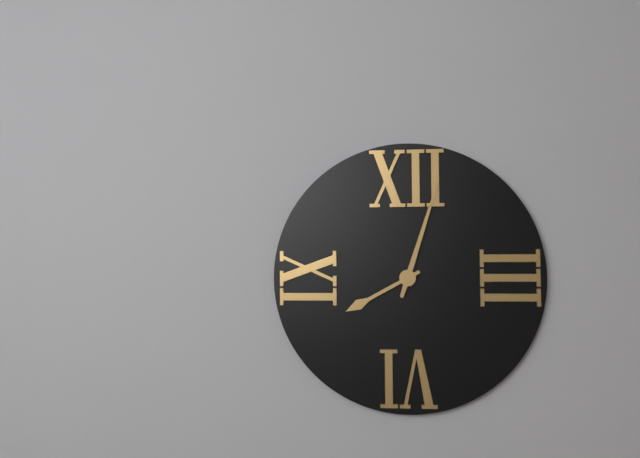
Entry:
h=8 m=3
